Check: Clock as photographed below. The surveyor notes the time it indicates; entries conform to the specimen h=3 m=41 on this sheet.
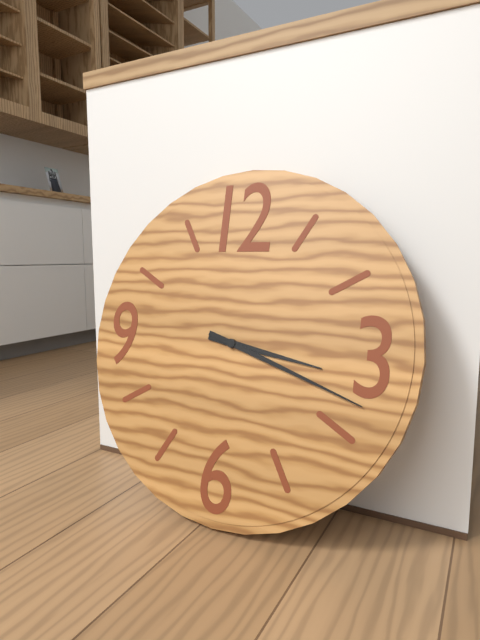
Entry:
h=3 m=18
